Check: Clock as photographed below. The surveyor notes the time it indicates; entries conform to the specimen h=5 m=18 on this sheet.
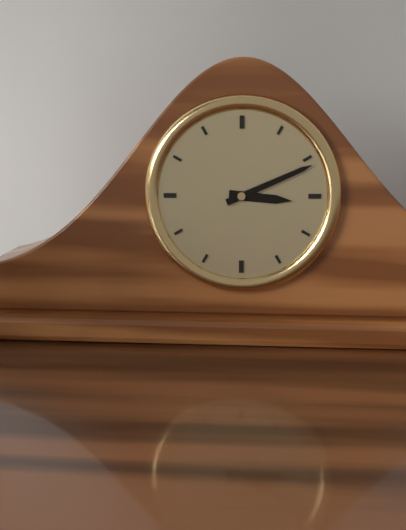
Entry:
h=3 m=11
